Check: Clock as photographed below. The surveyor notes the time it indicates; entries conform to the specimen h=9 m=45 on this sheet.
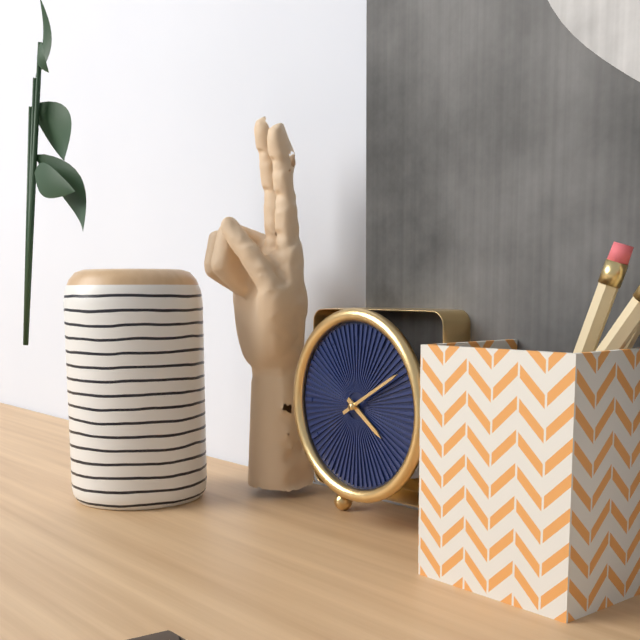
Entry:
h=4 m=10
